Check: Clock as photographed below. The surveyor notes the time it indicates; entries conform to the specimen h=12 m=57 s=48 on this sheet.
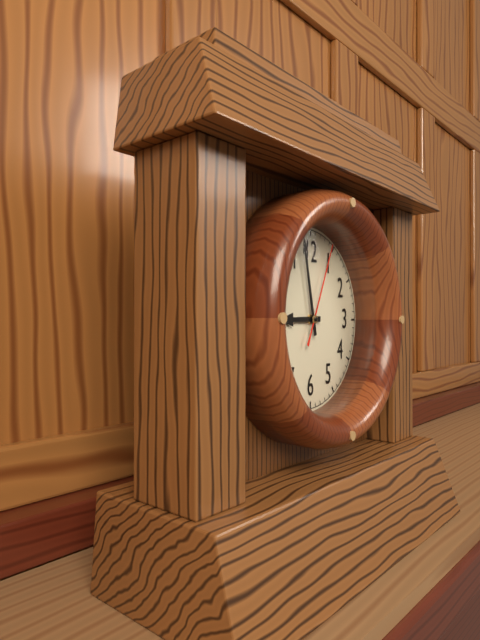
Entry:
h=8 m=58 s=4
